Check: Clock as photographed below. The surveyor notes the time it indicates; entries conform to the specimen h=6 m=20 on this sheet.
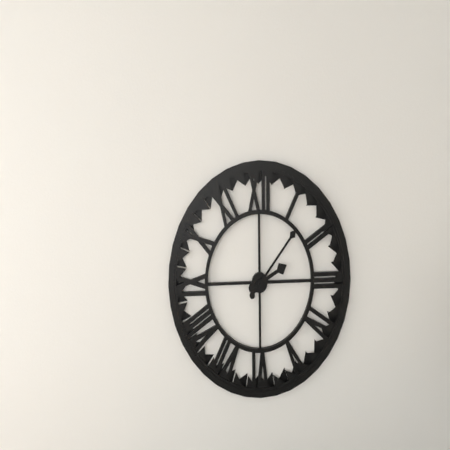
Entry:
h=2 m=7
